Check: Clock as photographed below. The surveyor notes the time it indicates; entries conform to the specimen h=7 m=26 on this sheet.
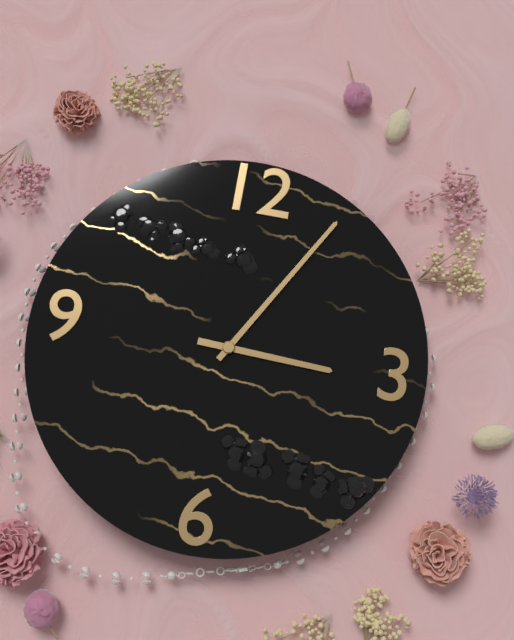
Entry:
h=3 m=5
